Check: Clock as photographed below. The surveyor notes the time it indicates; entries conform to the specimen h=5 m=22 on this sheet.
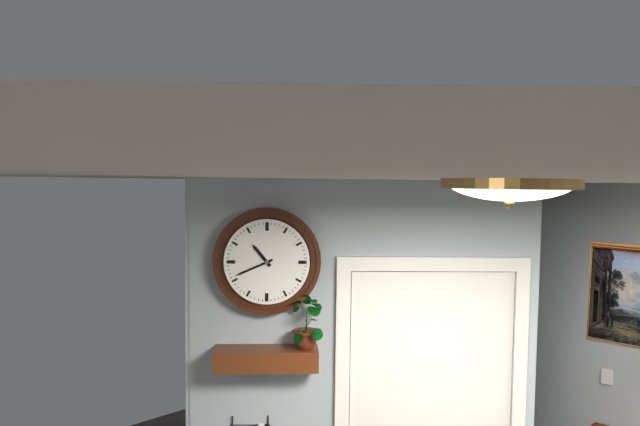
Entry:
h=10 m=41
